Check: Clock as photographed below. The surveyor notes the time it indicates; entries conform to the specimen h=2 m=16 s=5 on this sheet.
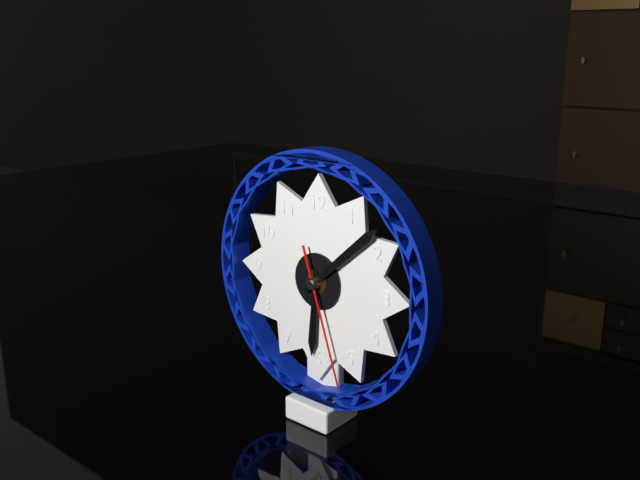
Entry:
h=6 m=8 s=27
